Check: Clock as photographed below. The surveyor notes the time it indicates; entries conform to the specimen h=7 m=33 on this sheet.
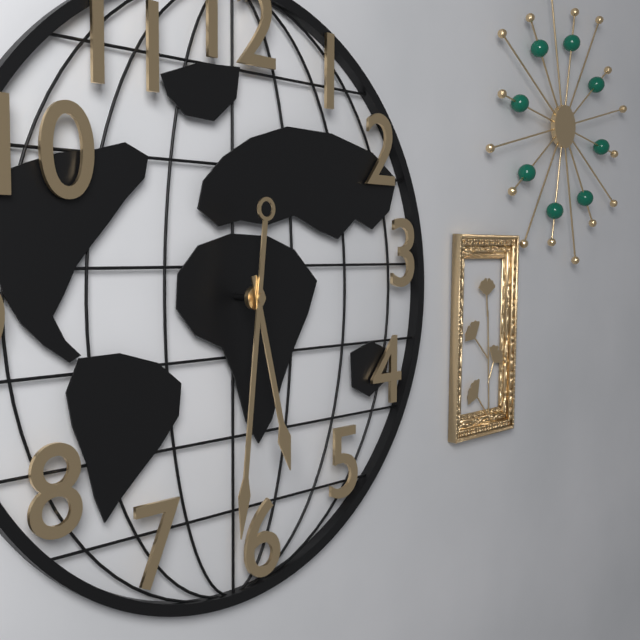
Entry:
h=5 m=31
